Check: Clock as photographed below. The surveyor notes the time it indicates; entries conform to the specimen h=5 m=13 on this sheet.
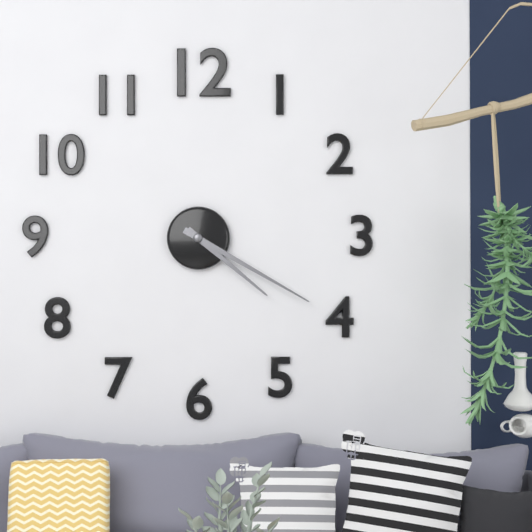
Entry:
h=4 m=20
